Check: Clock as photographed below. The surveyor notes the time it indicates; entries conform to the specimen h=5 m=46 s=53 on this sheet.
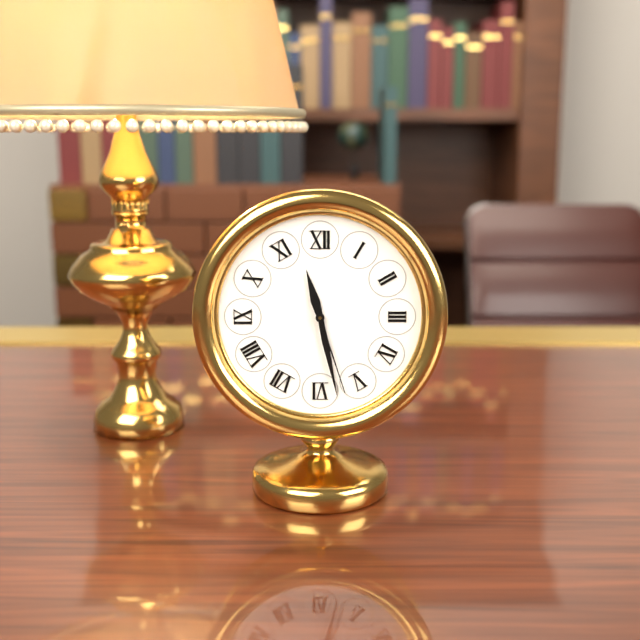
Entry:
h=11 m=28 s=27
